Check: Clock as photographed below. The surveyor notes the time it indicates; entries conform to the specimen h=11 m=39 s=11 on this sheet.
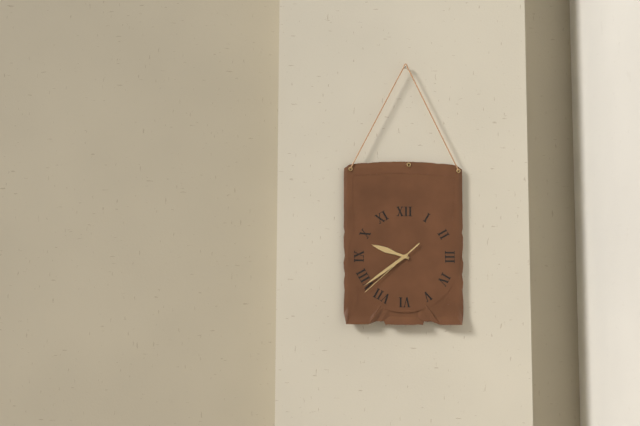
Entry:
h=9 m=39 s=38
